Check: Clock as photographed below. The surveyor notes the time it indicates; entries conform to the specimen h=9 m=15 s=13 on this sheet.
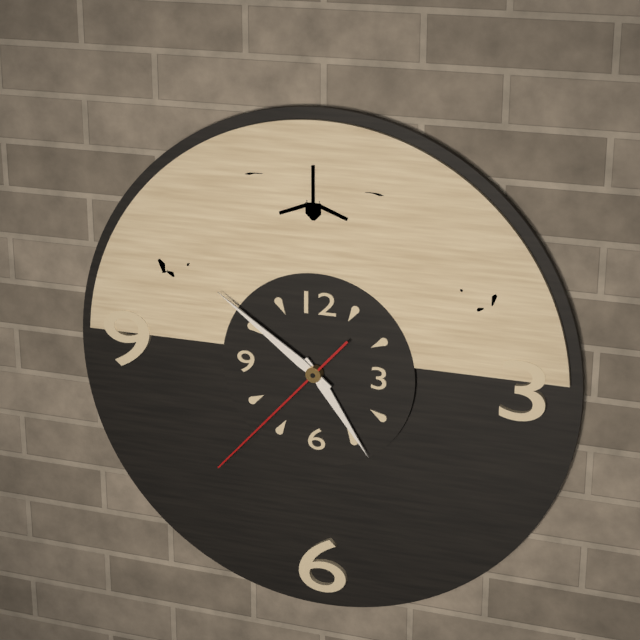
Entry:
h=4 m=51 s=37
